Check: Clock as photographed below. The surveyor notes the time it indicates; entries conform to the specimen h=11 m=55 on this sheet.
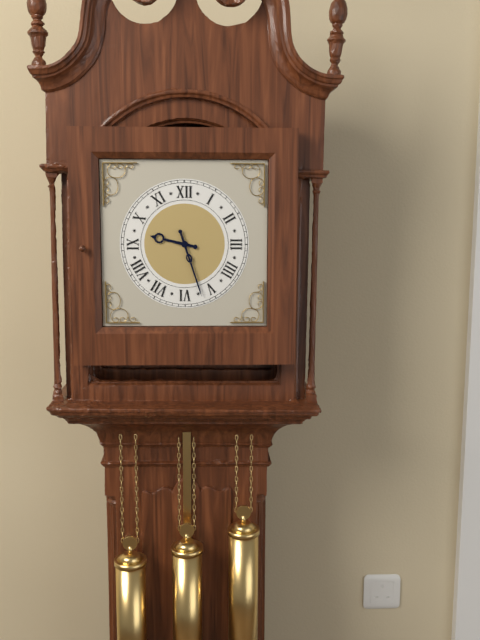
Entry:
h=9 m=27
